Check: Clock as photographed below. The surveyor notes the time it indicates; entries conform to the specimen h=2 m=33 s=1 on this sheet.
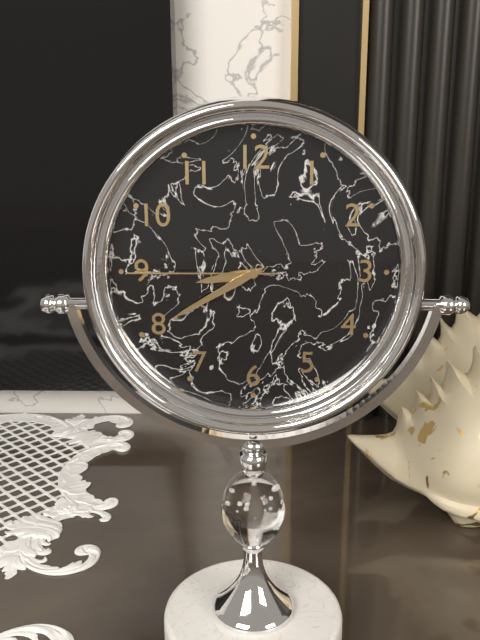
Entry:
h=8 m=40 s=45
